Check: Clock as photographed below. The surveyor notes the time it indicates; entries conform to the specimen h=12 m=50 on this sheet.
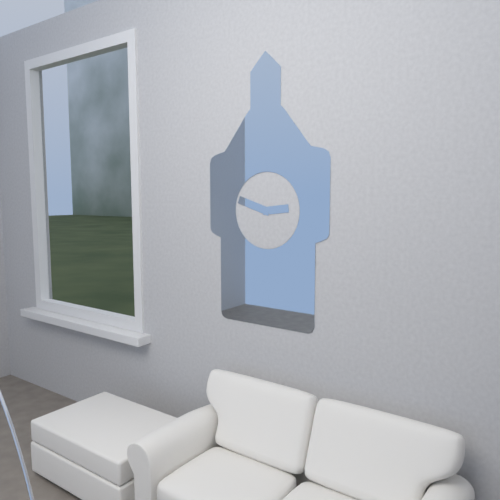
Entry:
h=2 m=48
